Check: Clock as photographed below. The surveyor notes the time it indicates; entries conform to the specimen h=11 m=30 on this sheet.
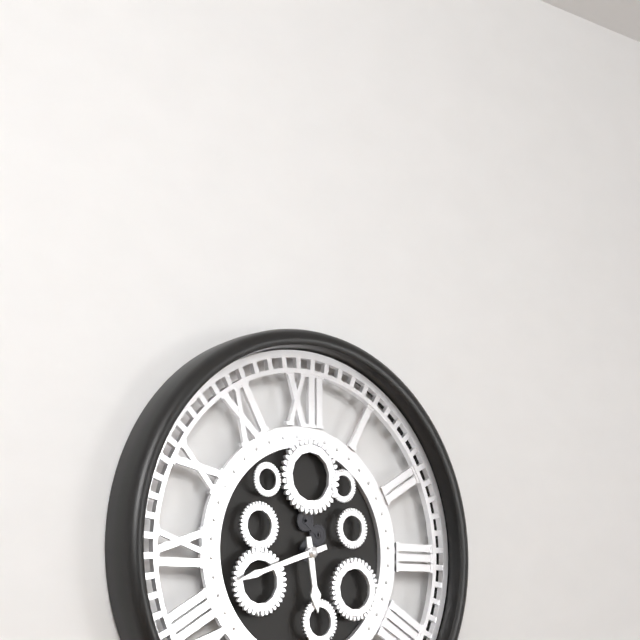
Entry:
h=5 m=42
